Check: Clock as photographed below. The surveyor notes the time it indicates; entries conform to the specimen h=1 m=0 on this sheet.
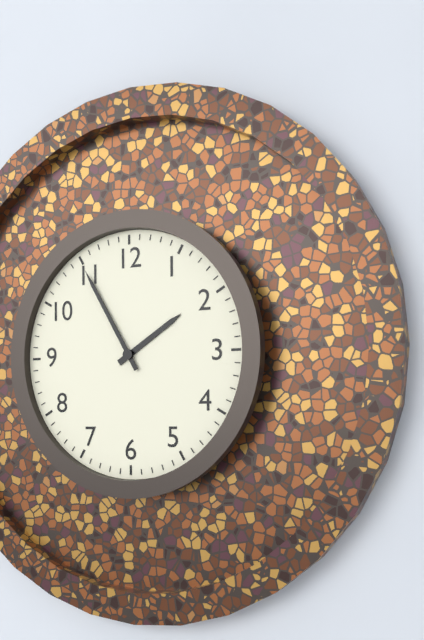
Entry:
h=1 m=55
